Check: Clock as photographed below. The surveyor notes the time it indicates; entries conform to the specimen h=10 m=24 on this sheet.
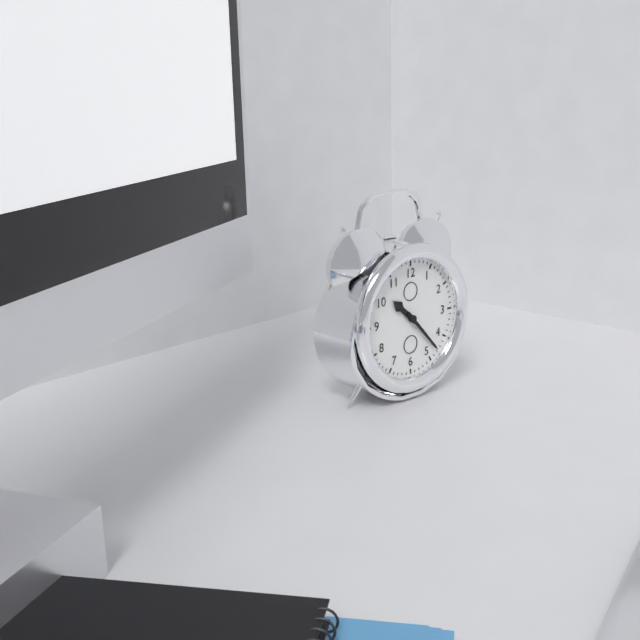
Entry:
h=10 m=23
